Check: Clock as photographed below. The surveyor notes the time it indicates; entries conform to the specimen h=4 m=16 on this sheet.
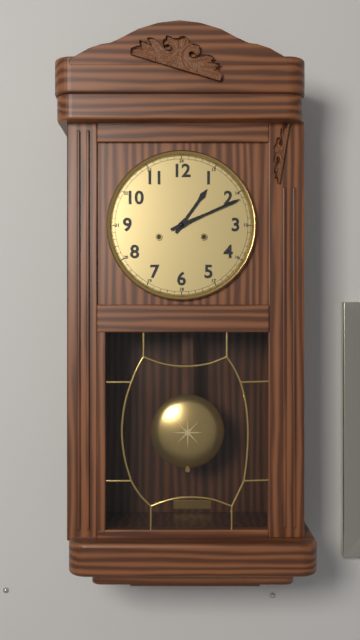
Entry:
h=1 m=11
